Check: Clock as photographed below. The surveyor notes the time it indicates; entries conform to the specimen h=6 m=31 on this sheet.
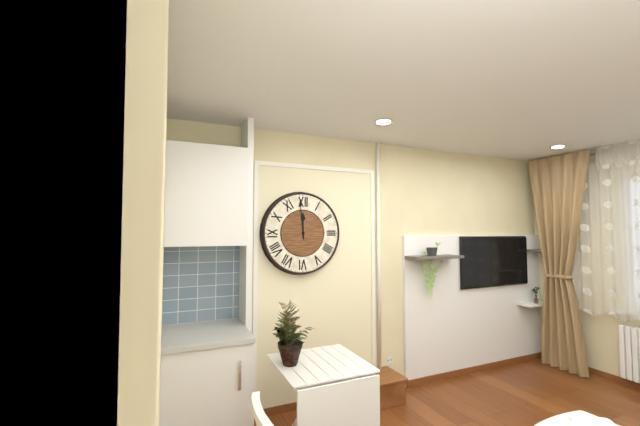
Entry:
h=11 m=59
